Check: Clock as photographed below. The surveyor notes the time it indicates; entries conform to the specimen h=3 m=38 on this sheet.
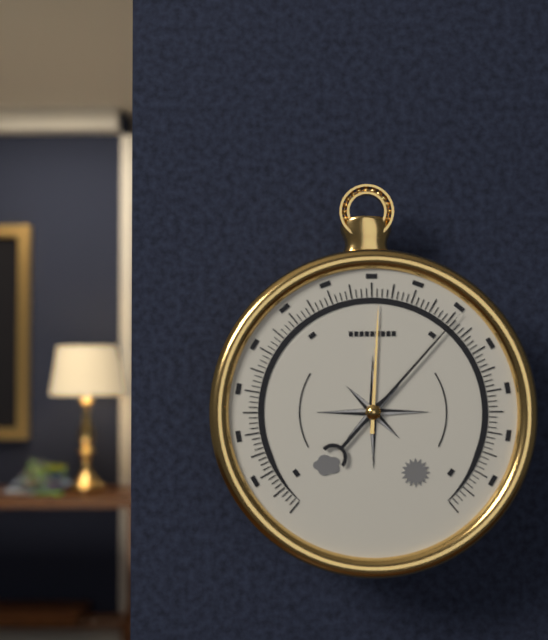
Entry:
h=12 m=7
